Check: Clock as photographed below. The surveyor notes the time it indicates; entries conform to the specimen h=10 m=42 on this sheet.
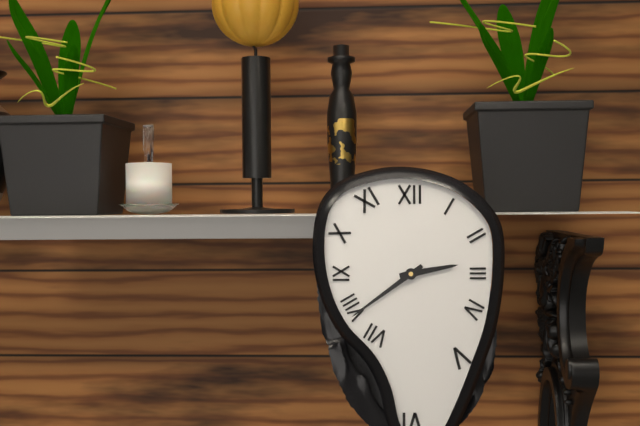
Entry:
h=2 m=39
